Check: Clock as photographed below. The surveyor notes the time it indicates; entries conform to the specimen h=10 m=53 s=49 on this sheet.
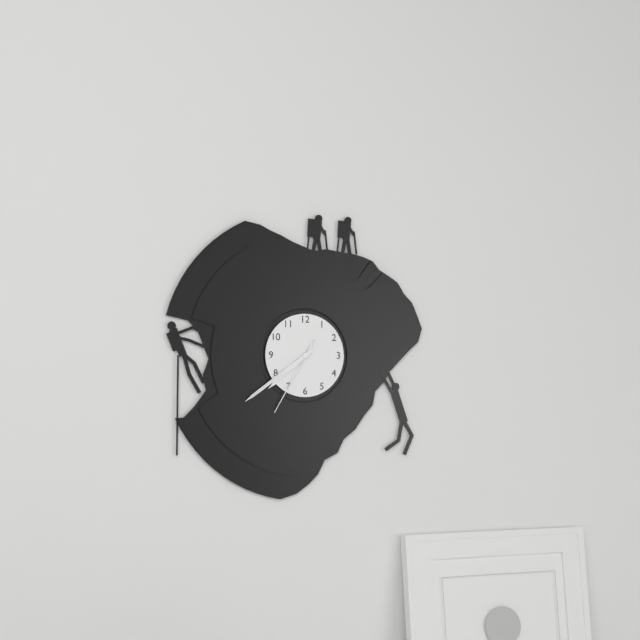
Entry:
h=7 m=39 s=35
